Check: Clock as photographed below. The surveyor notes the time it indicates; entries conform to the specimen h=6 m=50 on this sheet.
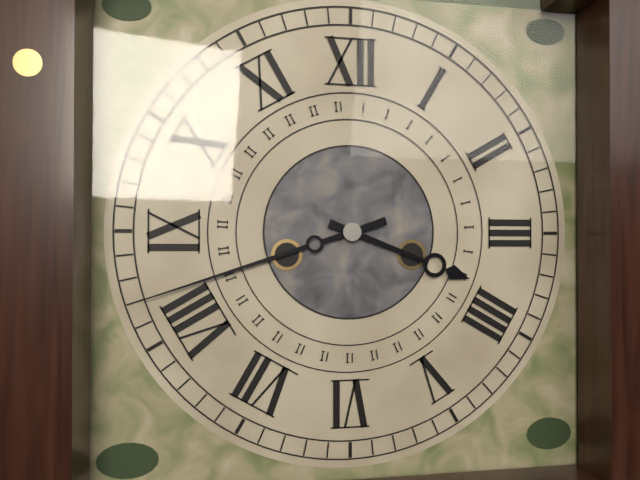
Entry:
h=3 m=42
